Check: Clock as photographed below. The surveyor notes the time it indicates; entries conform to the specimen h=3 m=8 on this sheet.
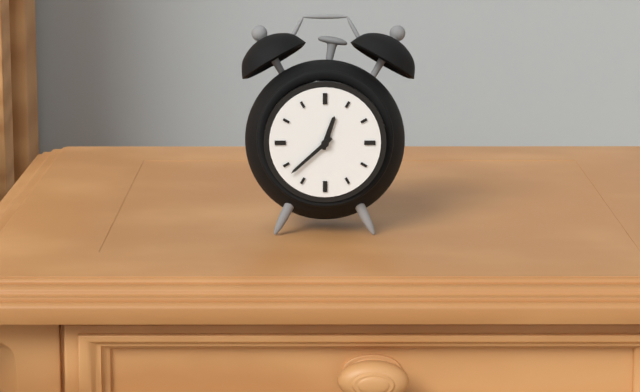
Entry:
h=12 m=38
